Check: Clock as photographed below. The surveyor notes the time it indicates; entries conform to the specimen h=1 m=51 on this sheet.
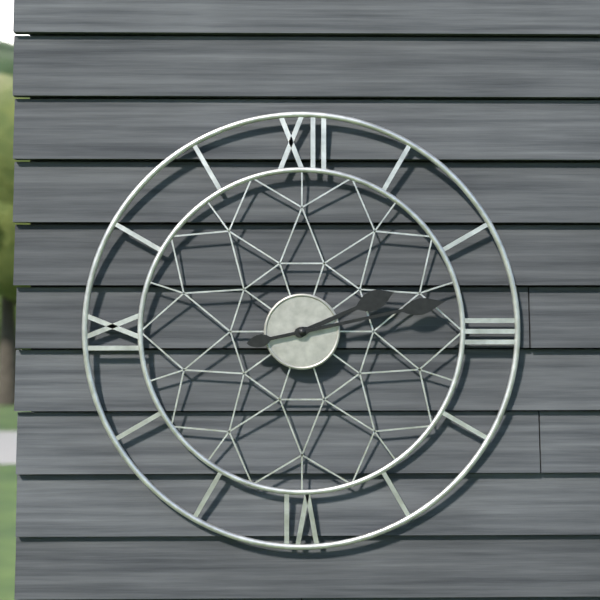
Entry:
h=2 m=13
